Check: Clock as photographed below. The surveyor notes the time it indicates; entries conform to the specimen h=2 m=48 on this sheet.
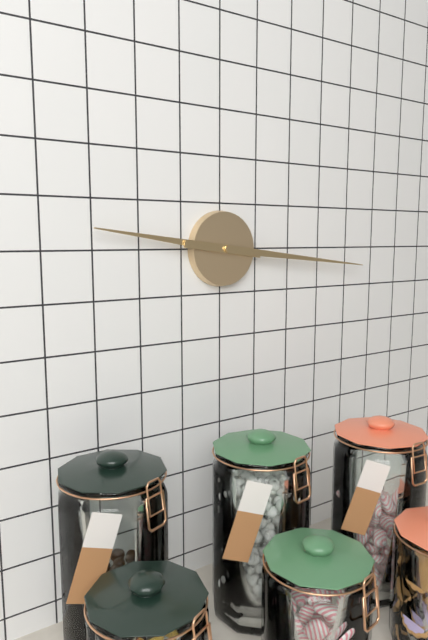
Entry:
h=9 m=16
